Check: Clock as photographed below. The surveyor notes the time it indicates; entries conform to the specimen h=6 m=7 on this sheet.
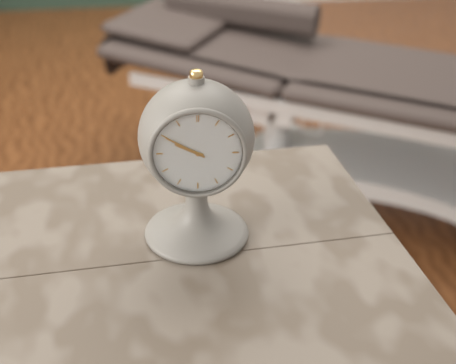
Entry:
h=9 m=50
